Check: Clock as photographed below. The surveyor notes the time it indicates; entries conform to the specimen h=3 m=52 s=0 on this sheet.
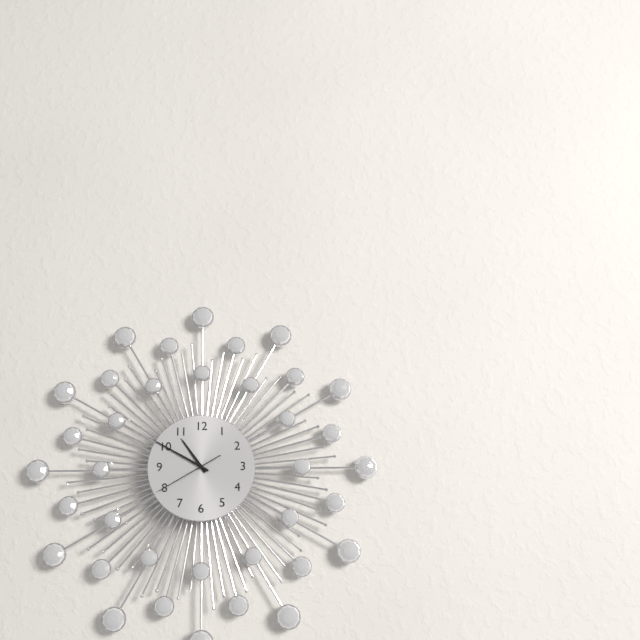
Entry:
h=10 m=50 s=40
